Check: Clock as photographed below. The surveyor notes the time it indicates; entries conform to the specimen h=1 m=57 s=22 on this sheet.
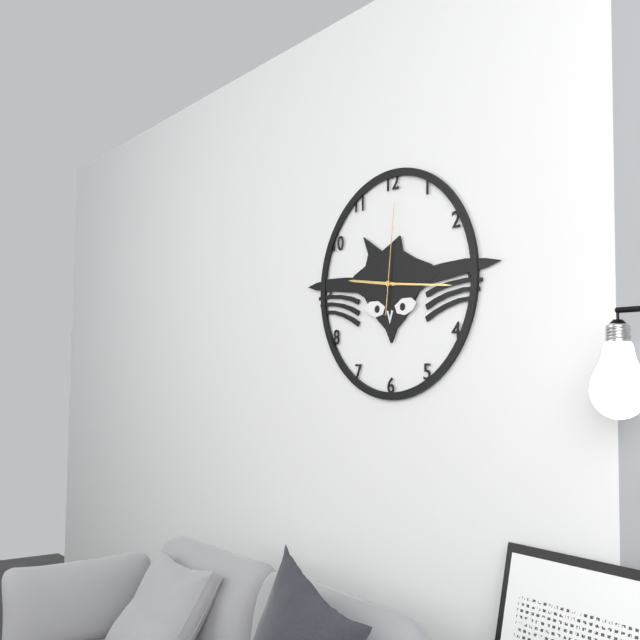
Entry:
h=9 m=16 s=1
